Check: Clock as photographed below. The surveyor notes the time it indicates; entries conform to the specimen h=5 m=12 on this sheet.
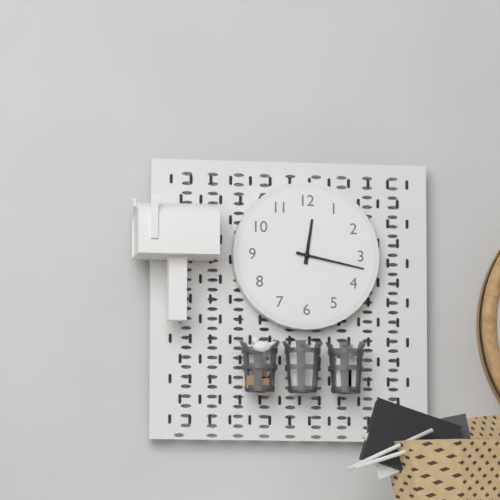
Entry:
h=12 m=17
